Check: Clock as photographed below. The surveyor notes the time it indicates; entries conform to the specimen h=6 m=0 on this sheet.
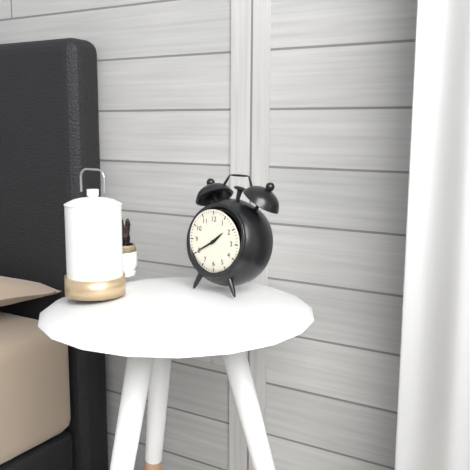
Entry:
h=1 m=40
